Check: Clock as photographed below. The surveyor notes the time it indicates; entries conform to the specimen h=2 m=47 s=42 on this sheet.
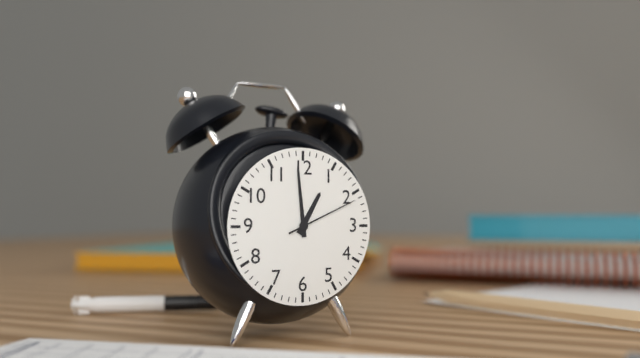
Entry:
h=12 m=59 s=11
